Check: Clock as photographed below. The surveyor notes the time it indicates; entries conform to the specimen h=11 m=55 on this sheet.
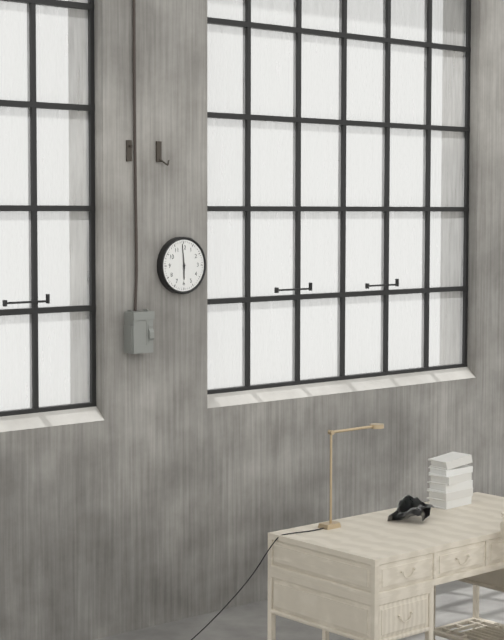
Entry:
h=5 m=59
